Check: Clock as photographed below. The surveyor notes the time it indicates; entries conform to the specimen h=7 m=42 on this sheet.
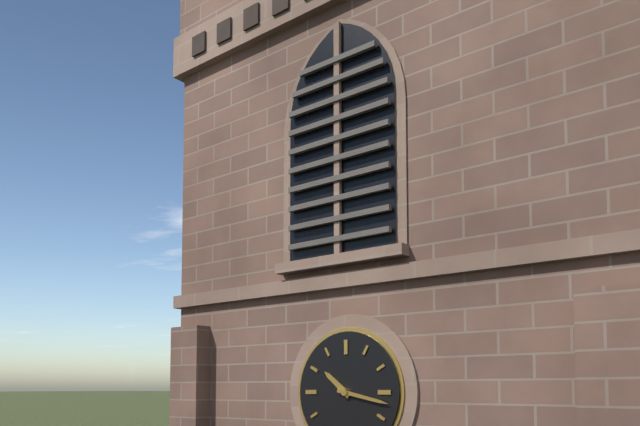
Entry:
h=10 m=17
